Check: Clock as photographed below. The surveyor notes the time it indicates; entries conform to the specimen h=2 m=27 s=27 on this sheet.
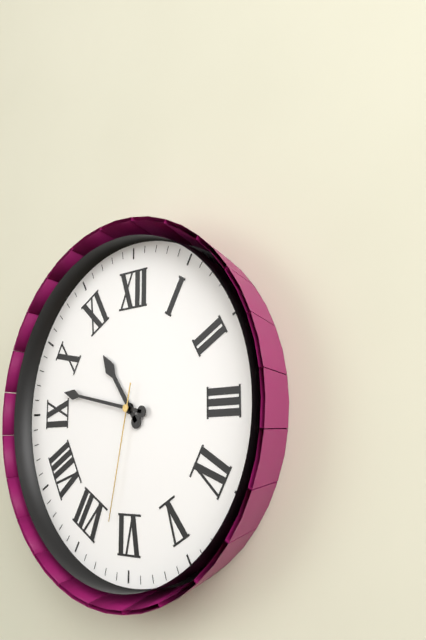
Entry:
h=10 m=47 s=32
